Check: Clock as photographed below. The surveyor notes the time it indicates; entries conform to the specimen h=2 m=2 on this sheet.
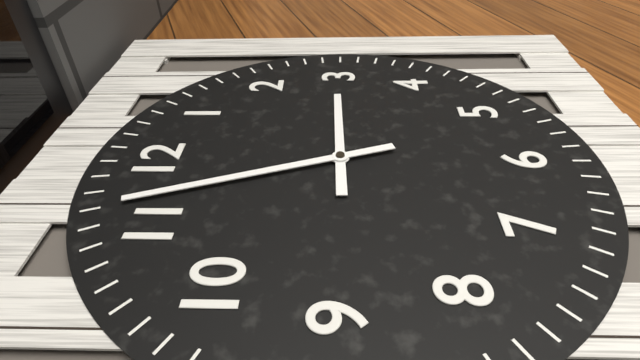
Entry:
h=2 m=57
